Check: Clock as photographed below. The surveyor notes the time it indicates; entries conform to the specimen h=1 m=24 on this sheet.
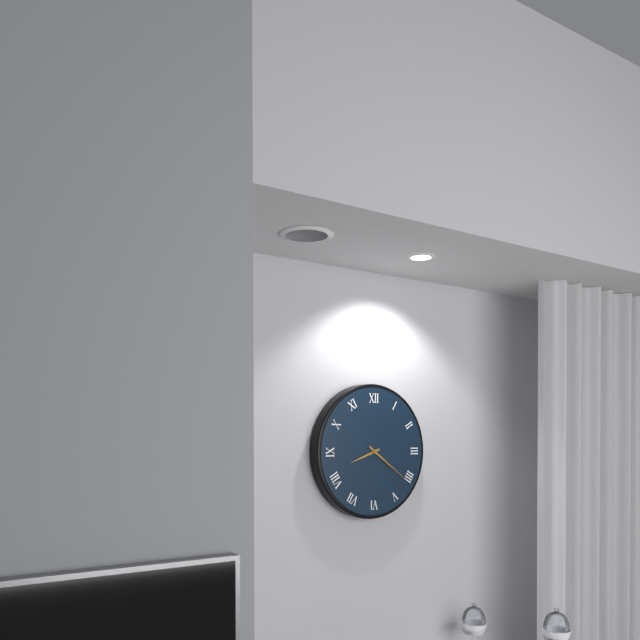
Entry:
h=8 m=21
